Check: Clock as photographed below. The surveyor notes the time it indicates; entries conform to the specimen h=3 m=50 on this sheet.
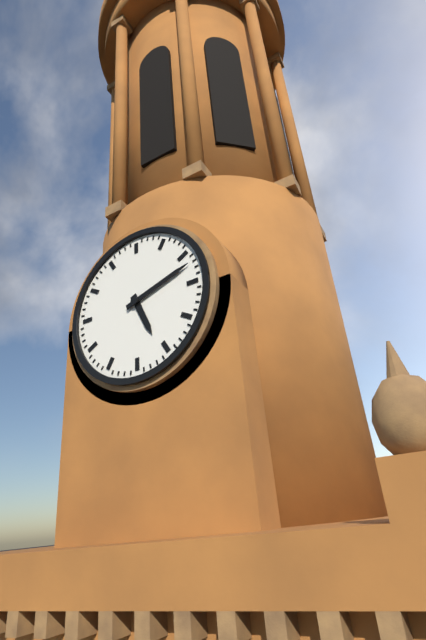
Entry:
h=5 m=12
